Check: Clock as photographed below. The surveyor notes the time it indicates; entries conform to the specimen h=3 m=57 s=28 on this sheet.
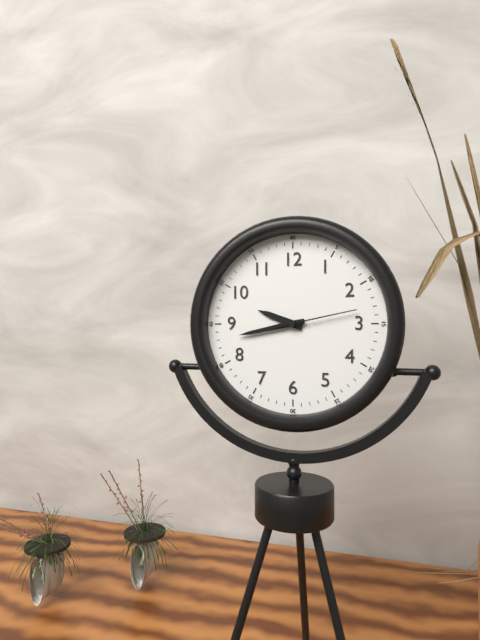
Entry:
h=9 m=43 s=13
